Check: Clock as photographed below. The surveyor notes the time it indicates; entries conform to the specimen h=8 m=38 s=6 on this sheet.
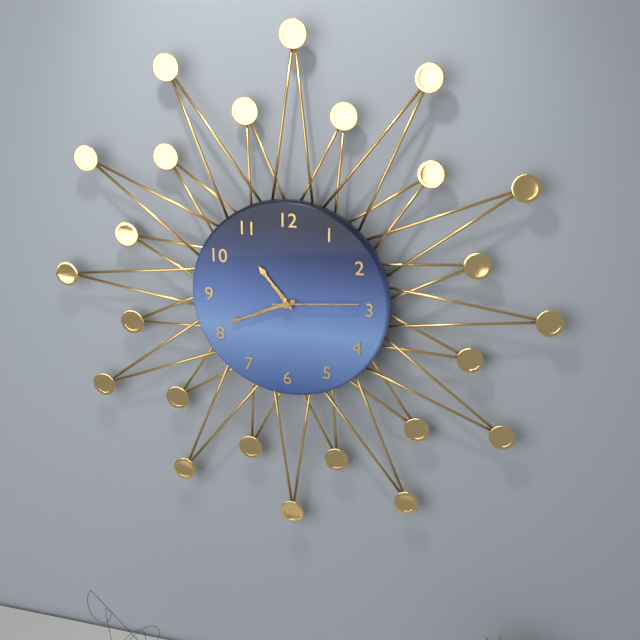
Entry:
h=10 m=41 s=14
